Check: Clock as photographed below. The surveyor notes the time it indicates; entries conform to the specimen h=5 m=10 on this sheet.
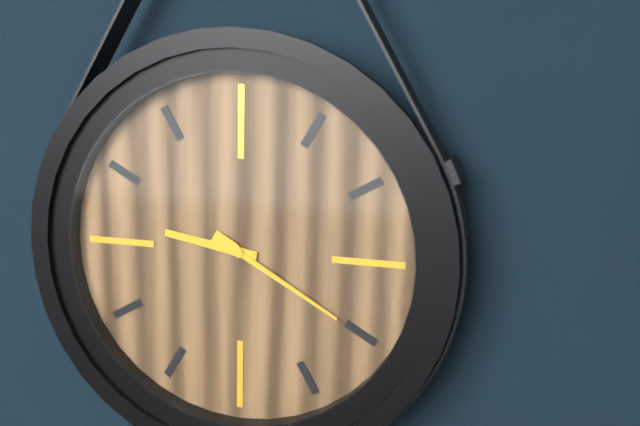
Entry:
h=9 m=20
